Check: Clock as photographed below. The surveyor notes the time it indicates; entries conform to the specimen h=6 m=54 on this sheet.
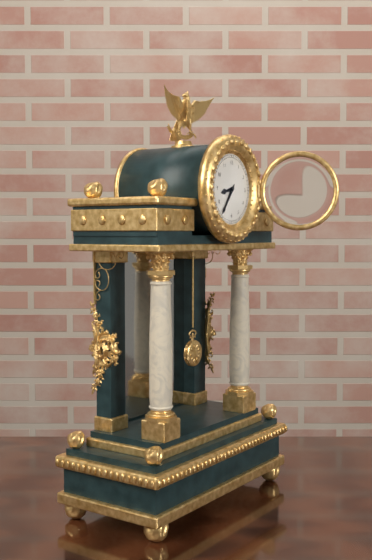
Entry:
h=8 m=36
